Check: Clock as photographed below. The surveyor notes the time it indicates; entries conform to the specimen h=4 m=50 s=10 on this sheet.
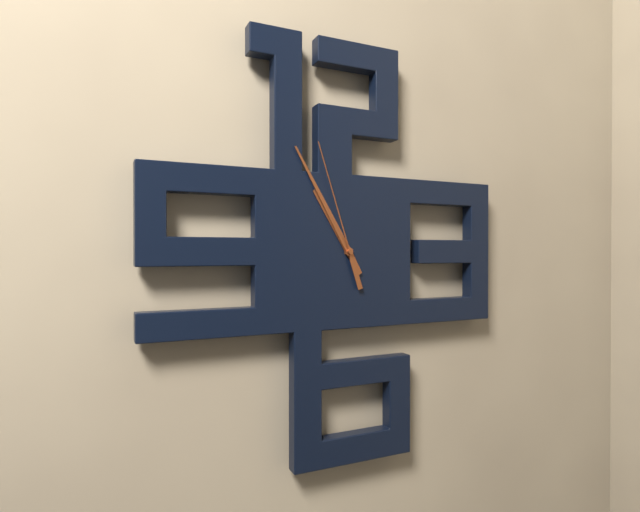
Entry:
h=10 m=55 s=57
